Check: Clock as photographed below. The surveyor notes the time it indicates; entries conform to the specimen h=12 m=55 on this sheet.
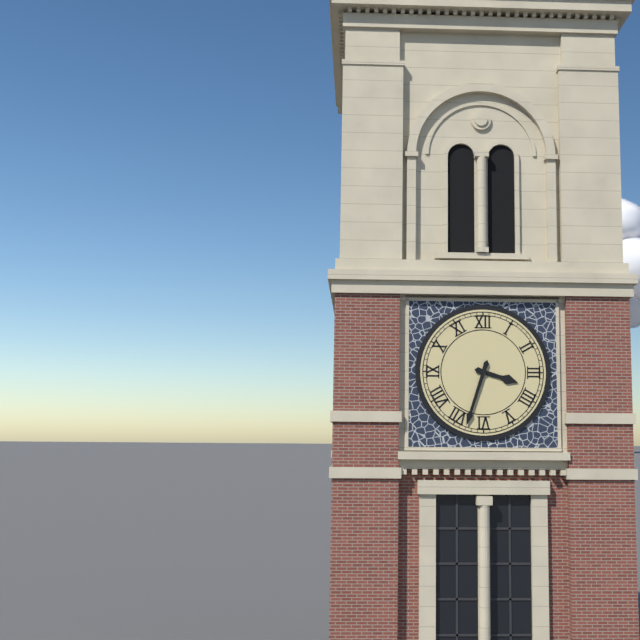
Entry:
h=3 m=33
